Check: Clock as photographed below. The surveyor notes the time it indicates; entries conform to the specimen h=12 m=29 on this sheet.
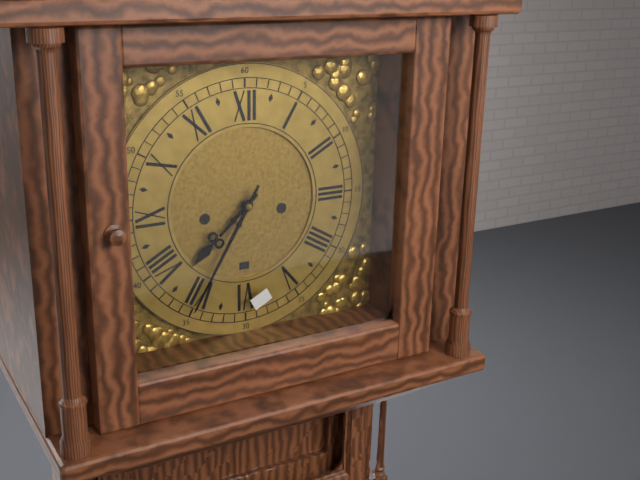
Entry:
h=7 m=35
